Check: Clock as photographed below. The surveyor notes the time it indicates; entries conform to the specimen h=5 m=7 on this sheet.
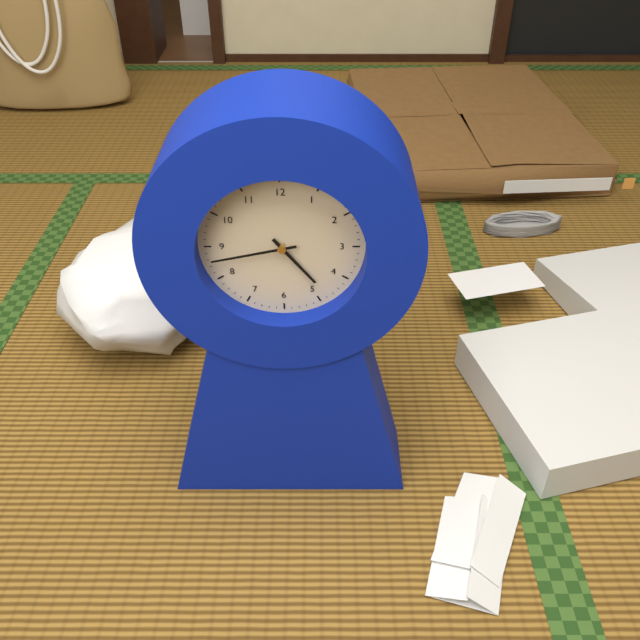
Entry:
h=4 m=43
